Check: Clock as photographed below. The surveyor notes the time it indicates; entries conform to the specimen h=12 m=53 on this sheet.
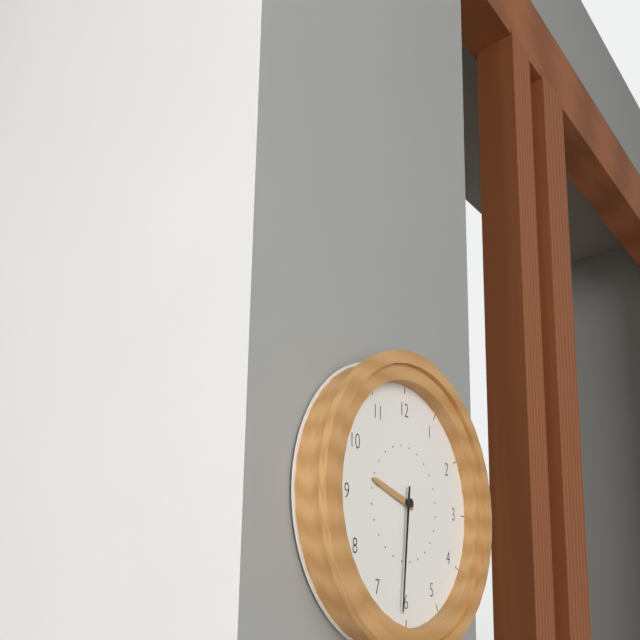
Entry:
h=9 m=31
